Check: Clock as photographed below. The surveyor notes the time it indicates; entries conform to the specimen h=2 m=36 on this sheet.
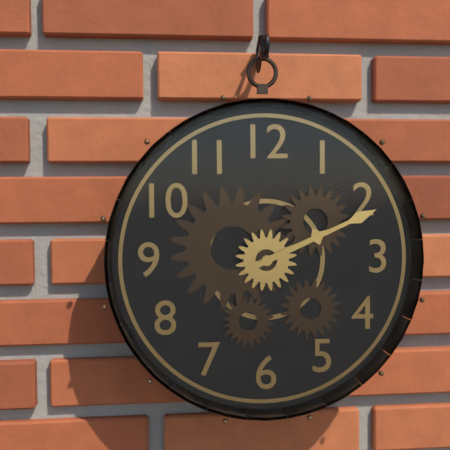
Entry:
h=2 m=11
